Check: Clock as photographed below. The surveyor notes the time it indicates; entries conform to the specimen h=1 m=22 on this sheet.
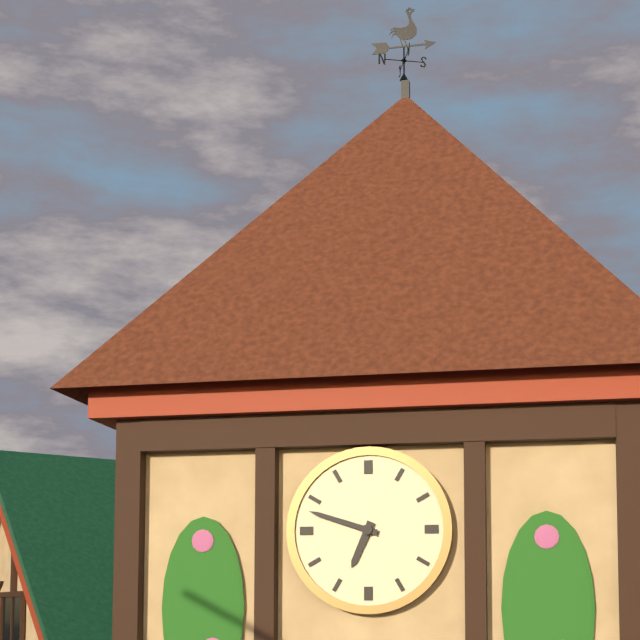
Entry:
h=6 m=48
